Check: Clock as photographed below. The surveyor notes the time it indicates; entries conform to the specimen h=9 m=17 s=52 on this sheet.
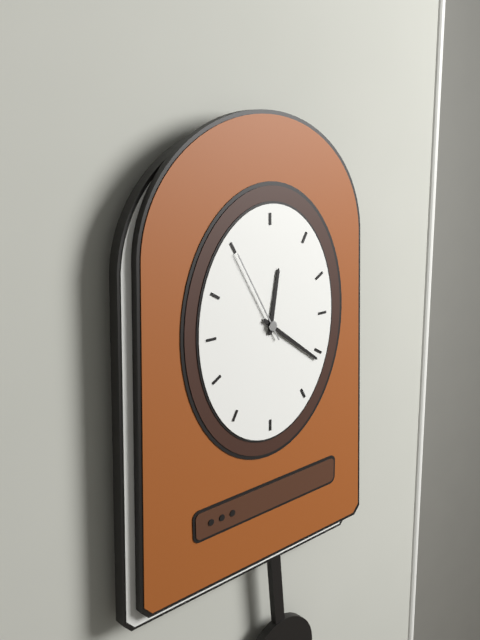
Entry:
h=12 m=21 s=55
